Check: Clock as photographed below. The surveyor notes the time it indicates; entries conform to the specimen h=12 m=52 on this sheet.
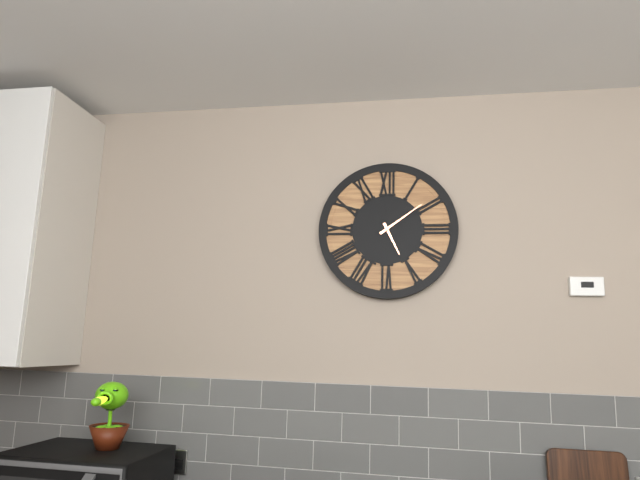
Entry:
h=5 m=9
